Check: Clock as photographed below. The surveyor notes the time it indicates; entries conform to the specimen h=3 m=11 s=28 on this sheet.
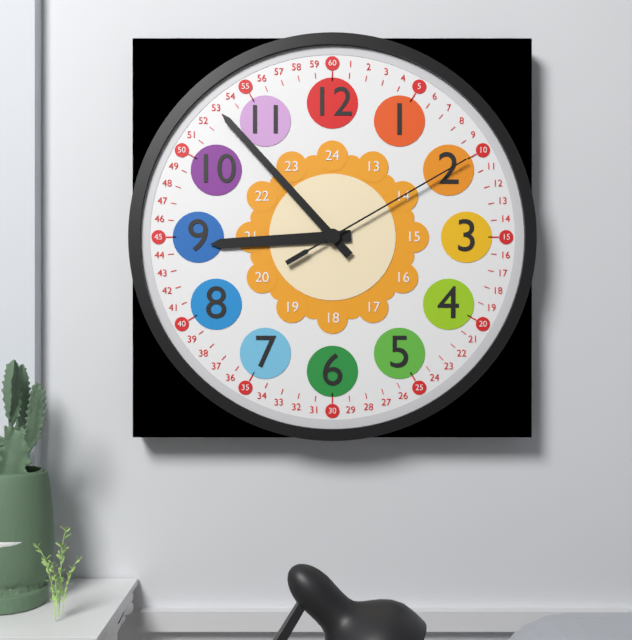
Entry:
h=8 m=53 s=10
